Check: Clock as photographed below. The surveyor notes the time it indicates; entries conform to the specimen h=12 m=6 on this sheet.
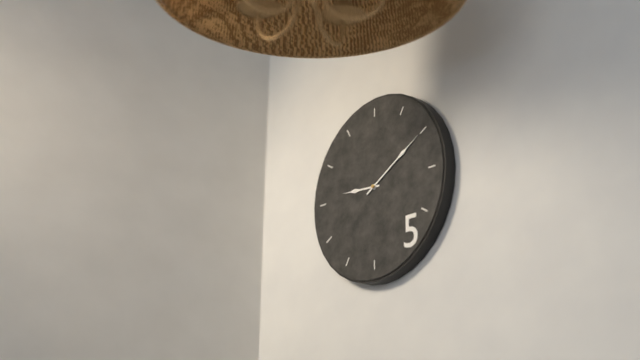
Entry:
h=9 m=10
